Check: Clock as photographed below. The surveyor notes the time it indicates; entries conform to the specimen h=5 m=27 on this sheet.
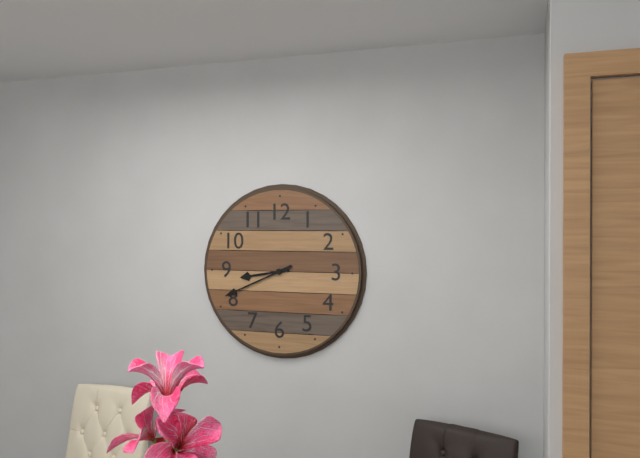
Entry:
h=8 m=41
